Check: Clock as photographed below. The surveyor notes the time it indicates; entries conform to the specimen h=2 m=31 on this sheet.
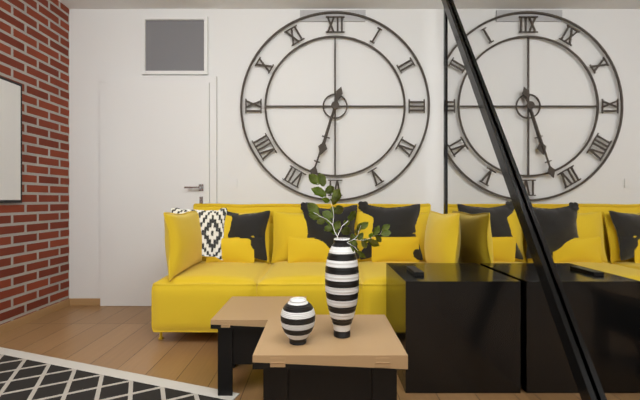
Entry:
h=6 m=33
